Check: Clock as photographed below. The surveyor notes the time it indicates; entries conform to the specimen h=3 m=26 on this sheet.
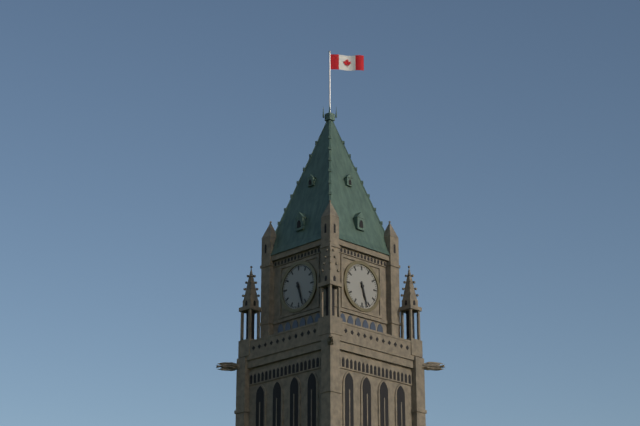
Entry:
h=5 m=27
